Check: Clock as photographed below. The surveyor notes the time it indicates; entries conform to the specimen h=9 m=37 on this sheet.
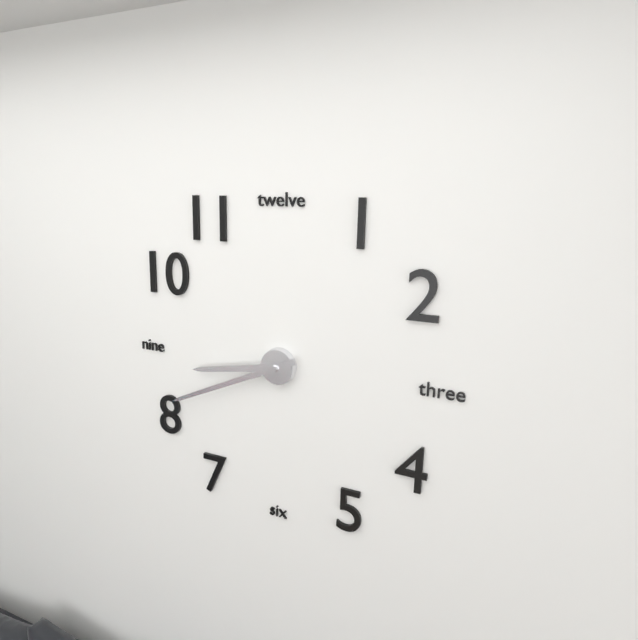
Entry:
h=8 m=41
